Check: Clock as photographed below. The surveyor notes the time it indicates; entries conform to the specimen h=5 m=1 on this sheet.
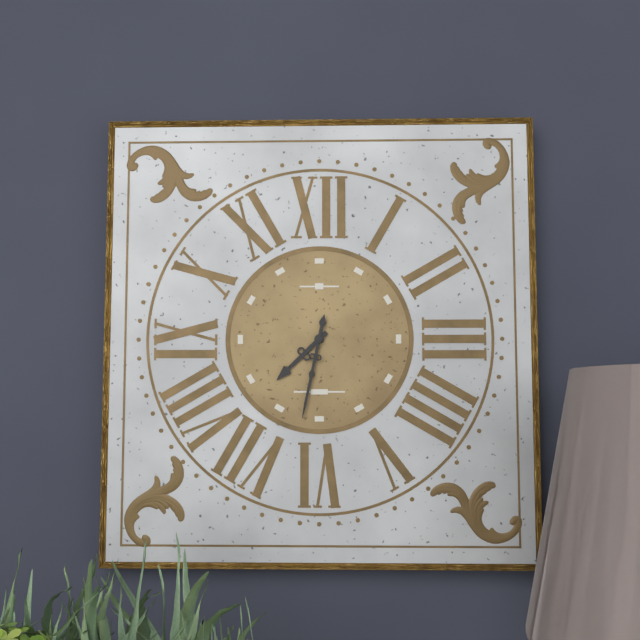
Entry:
h=7 m=32
